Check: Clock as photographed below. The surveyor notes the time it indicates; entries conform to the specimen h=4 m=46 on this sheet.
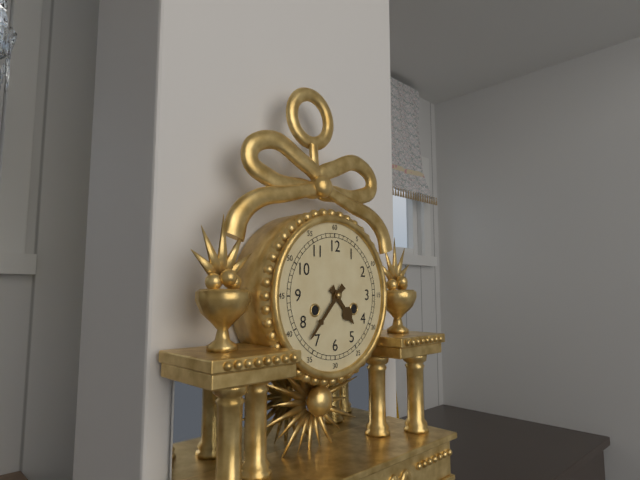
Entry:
h=4 m=37
